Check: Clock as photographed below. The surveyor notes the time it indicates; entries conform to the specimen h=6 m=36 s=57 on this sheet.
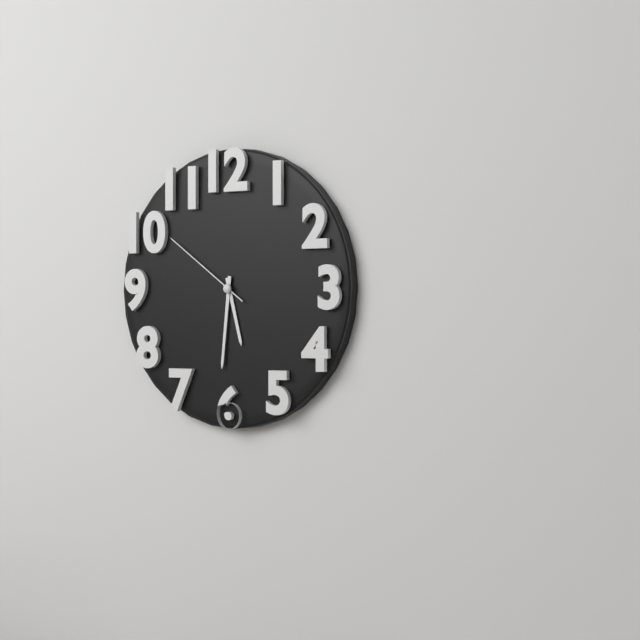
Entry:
h=5 m=31 s=51
